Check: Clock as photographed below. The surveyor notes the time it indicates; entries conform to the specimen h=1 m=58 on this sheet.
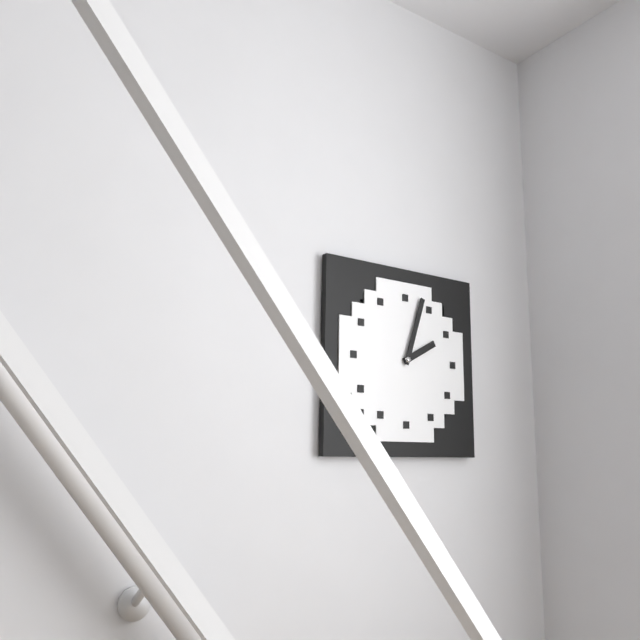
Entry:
h=2 m=3
